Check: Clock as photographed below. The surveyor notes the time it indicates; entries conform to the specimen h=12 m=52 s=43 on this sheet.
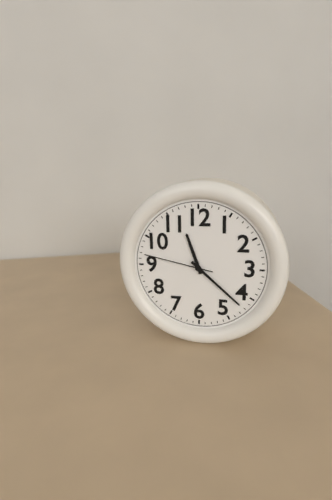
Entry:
h=11 m=22 s=47
